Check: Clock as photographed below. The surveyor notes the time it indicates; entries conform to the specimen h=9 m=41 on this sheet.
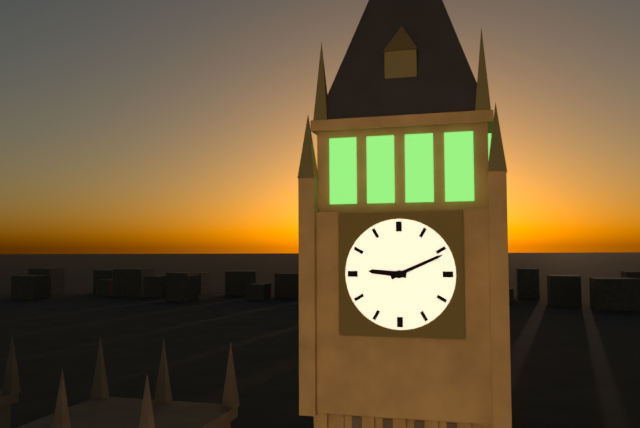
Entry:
h=9 m=11
